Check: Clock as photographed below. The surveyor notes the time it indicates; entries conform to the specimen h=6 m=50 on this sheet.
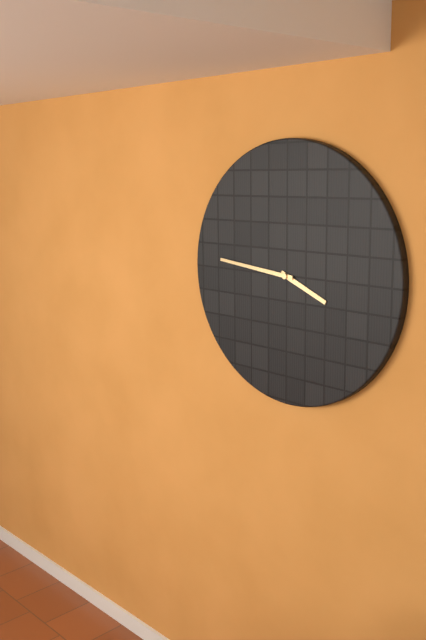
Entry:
h=3 m=46
